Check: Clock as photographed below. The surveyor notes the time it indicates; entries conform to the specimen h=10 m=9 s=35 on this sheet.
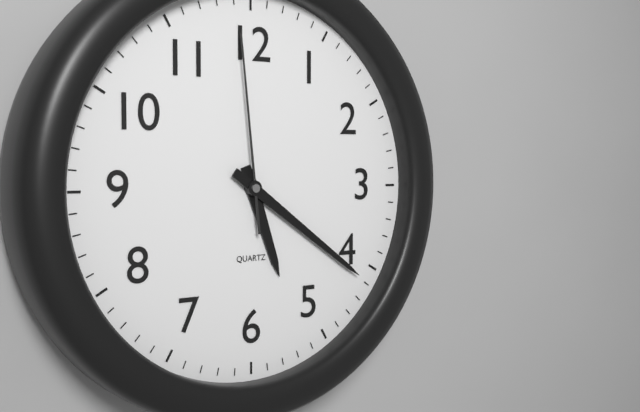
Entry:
h=5 m=21 s=59
